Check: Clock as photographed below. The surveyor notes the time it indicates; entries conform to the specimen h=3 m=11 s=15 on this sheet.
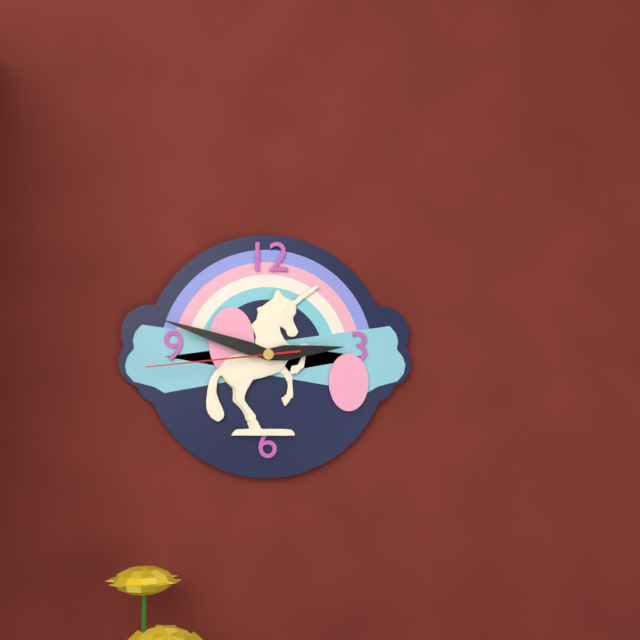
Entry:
h=2 m=48 s=44
